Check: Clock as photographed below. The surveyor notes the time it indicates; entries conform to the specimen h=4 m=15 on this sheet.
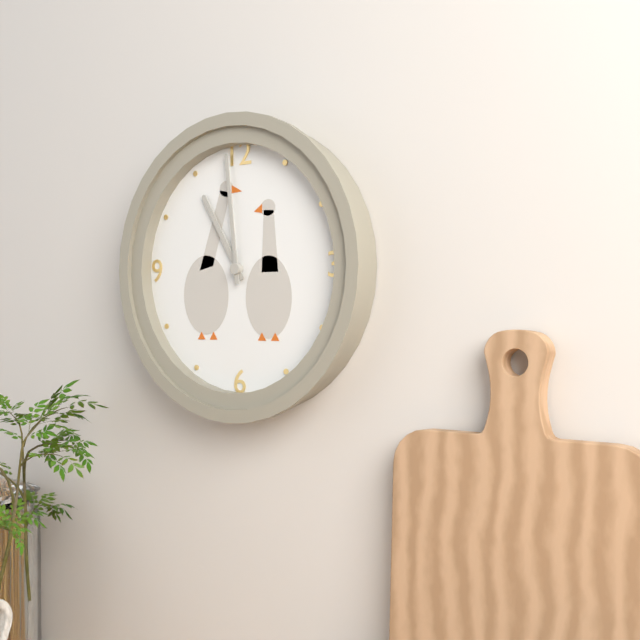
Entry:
h=10 m=59
